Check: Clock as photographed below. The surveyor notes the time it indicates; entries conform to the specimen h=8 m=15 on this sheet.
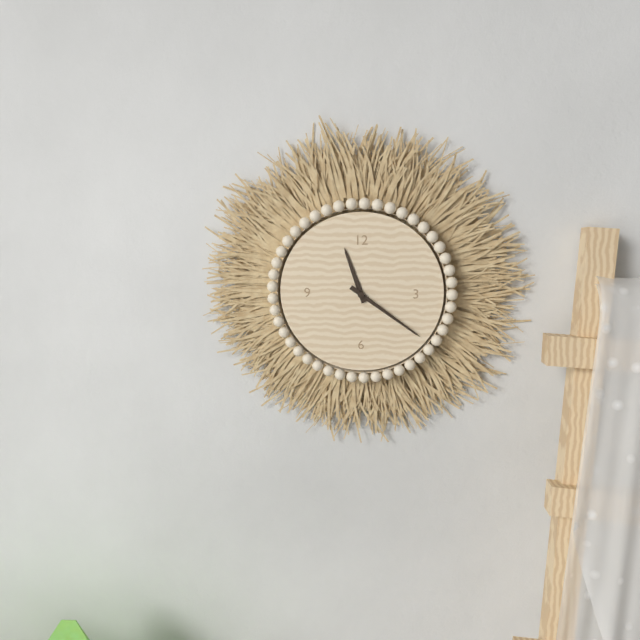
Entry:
h=11 m=21
